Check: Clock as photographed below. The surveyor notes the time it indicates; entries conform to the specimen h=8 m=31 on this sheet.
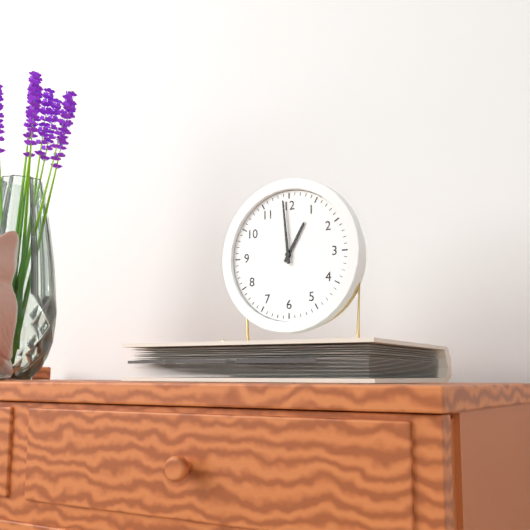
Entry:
h=12 m=59
